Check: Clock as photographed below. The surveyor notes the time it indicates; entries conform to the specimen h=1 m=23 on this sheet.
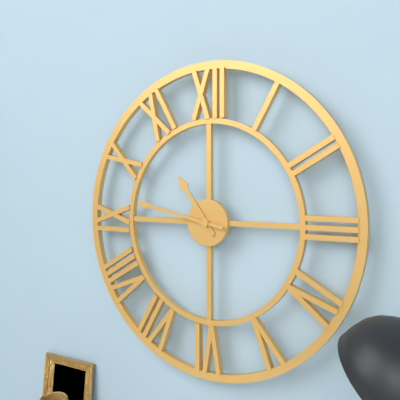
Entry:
h=10 m=47
